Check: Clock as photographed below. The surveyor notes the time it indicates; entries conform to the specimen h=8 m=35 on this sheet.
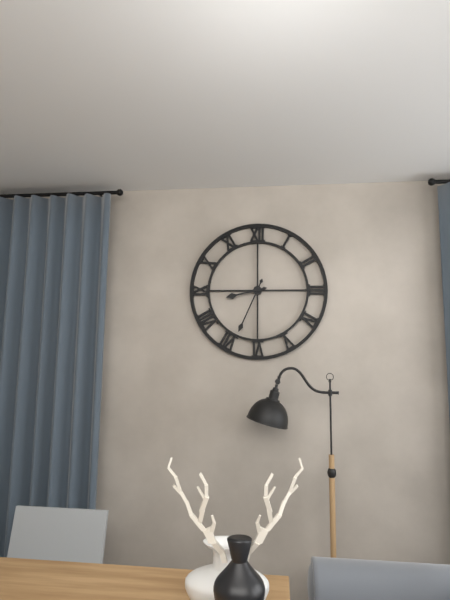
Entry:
h=8 m=34
